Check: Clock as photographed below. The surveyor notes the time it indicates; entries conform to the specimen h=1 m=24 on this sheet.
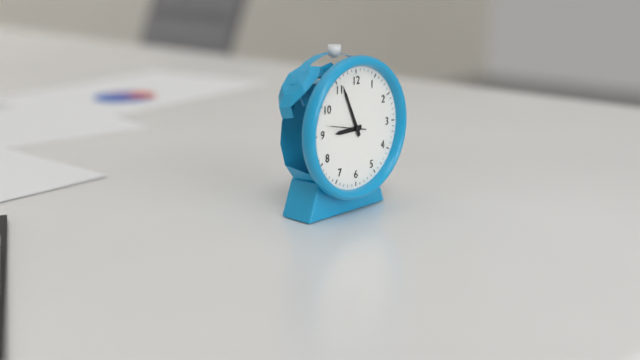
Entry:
h=8 m=56
